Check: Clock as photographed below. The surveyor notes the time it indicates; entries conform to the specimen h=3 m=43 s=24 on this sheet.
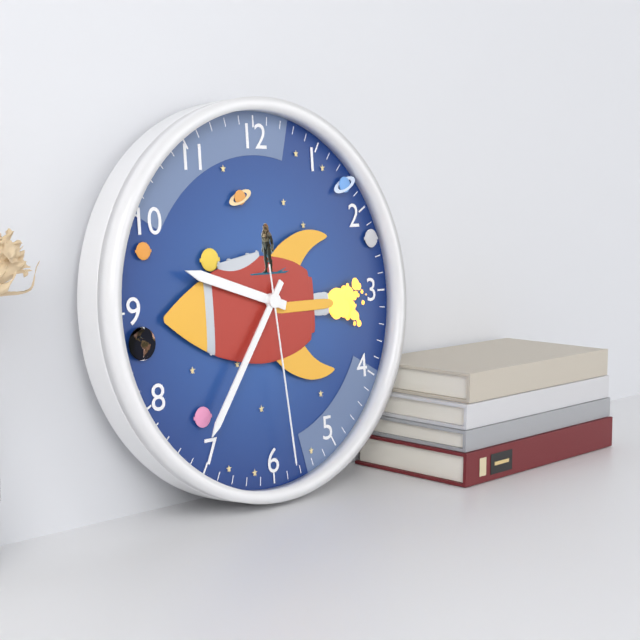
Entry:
h=9 m=36 s=29
